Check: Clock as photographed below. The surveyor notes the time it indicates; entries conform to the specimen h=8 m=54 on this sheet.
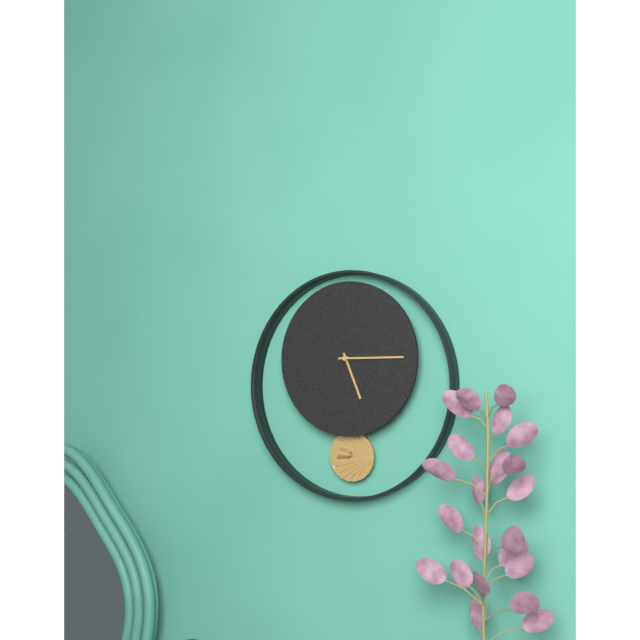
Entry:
h=5 m=15
